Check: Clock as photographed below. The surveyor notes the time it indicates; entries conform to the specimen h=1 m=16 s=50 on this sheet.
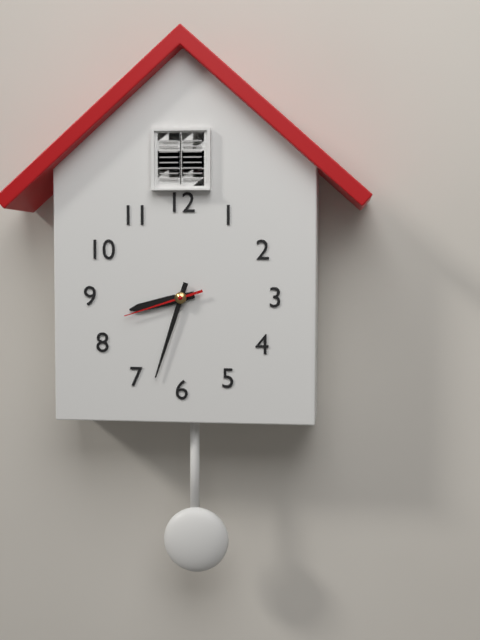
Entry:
h=8 m=33 s=42
